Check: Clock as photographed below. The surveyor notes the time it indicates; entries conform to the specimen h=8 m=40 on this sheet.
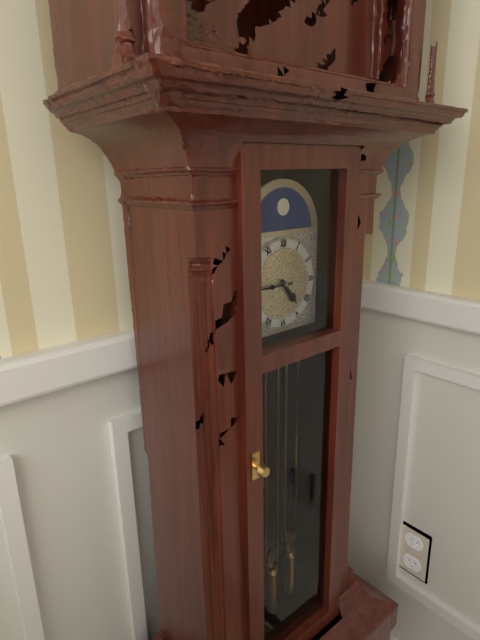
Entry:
h=4 m=45
